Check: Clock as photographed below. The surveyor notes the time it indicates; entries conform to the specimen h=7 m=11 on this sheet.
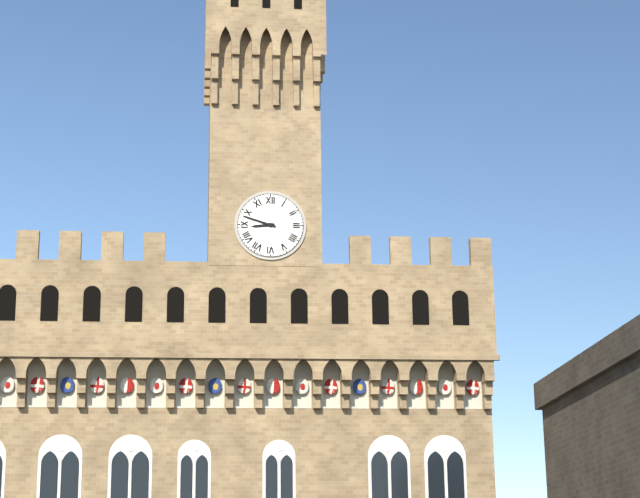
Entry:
h=8 m=48
